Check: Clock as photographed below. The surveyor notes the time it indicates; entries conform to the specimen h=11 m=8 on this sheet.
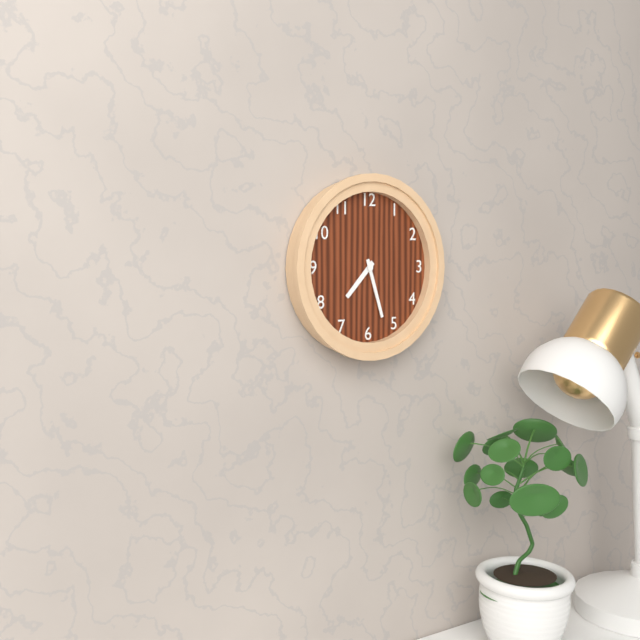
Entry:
h=7 m=27
